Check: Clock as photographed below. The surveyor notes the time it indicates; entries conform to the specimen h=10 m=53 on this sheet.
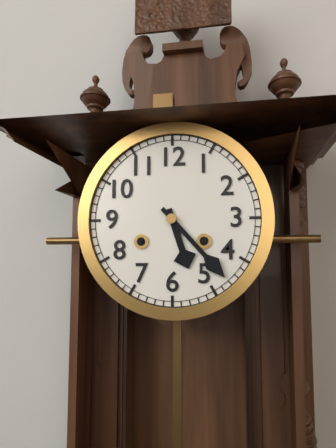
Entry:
h=5 m=23
